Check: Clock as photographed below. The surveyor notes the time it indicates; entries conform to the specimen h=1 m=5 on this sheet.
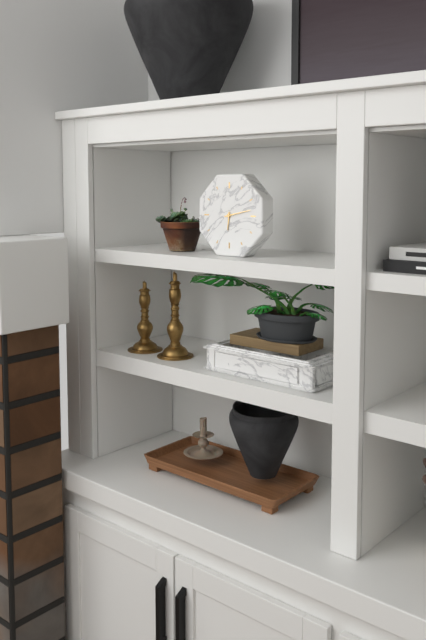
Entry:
h=6 m=13
